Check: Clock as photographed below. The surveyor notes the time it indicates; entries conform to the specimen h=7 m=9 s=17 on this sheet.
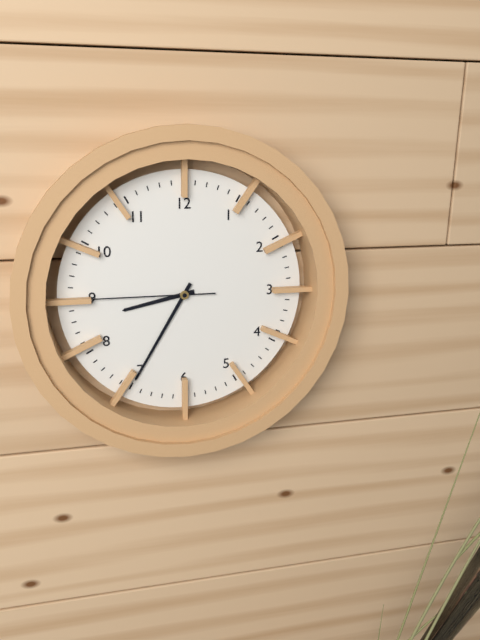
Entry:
h=8 m=35 s=45
